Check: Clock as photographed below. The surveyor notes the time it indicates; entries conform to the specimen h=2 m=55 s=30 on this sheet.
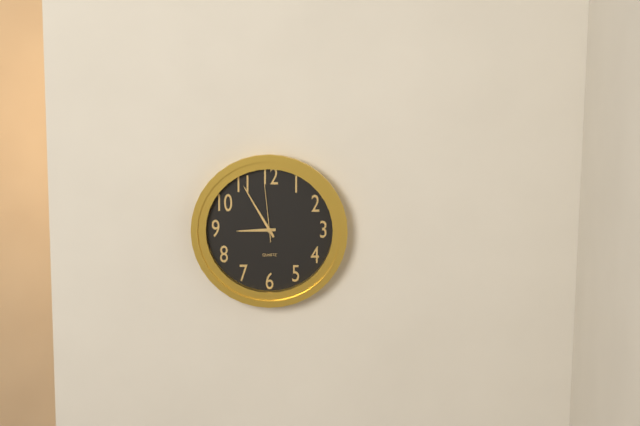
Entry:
h=8 m=55 s=59
